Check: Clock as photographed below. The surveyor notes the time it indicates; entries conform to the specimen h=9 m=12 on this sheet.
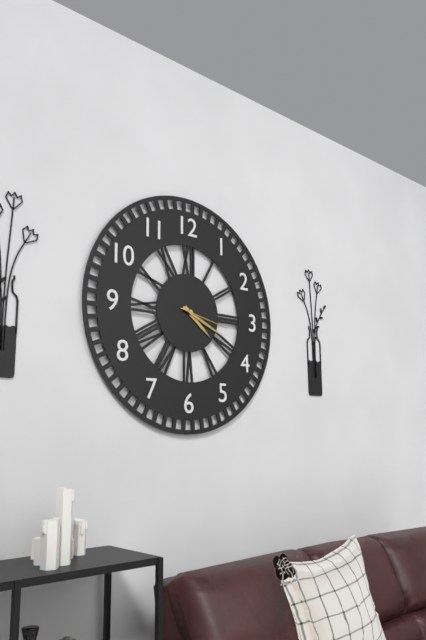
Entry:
h=4 m=19
